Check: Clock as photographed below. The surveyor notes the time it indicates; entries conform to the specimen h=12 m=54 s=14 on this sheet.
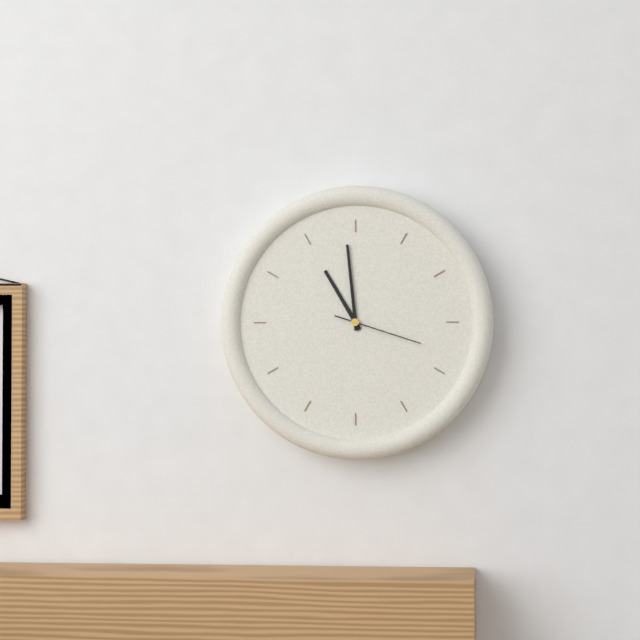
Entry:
h=10 m=59 s=18
